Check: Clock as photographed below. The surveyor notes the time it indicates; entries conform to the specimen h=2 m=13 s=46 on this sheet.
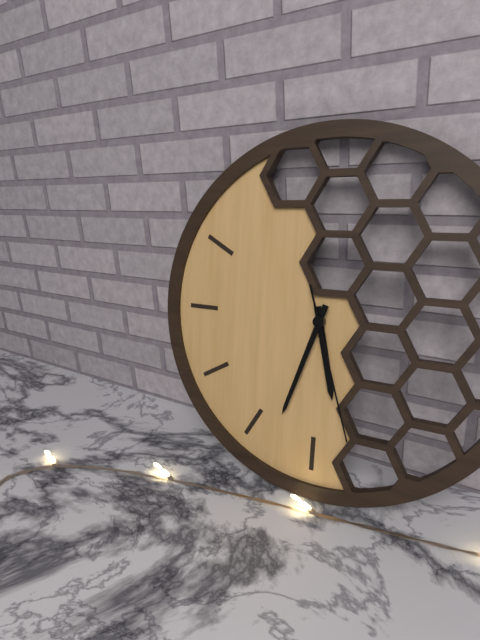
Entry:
h=5 m=33 s=27
